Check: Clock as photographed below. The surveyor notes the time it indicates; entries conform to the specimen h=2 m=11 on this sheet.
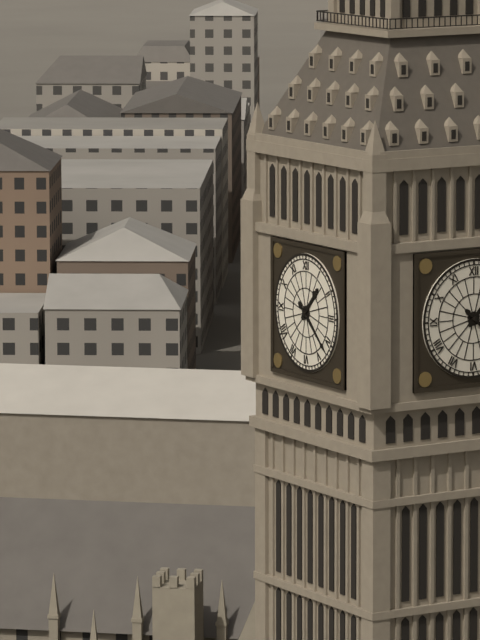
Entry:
h=1 m=22
